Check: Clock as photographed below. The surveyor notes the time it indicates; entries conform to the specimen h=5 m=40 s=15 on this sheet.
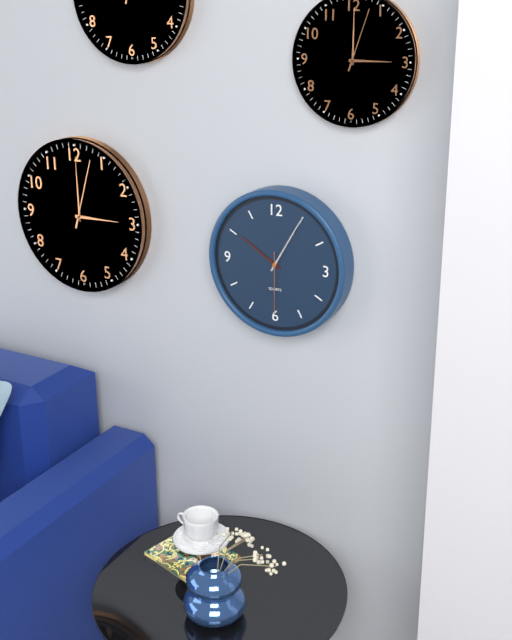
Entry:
h=10 m=5 s=30
